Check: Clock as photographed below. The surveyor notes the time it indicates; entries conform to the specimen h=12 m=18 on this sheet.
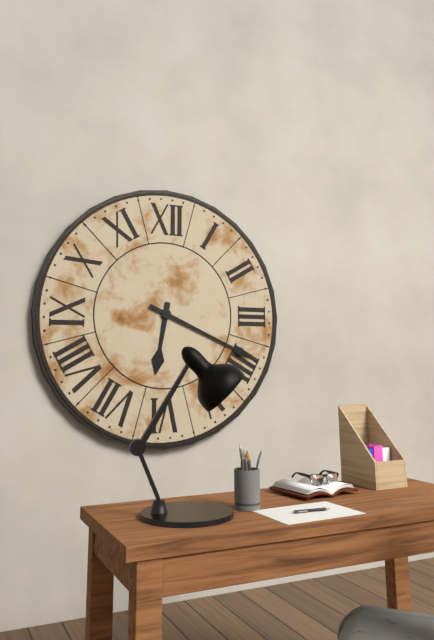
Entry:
h=6 m=19
